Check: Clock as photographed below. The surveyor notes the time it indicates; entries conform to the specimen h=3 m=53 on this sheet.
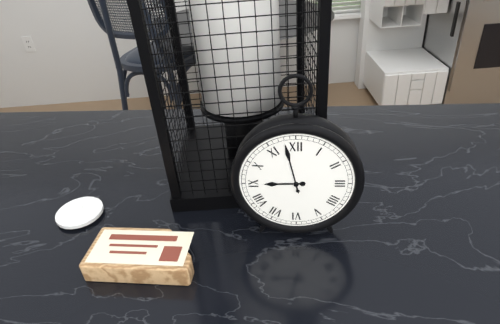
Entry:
h=8 m=58
